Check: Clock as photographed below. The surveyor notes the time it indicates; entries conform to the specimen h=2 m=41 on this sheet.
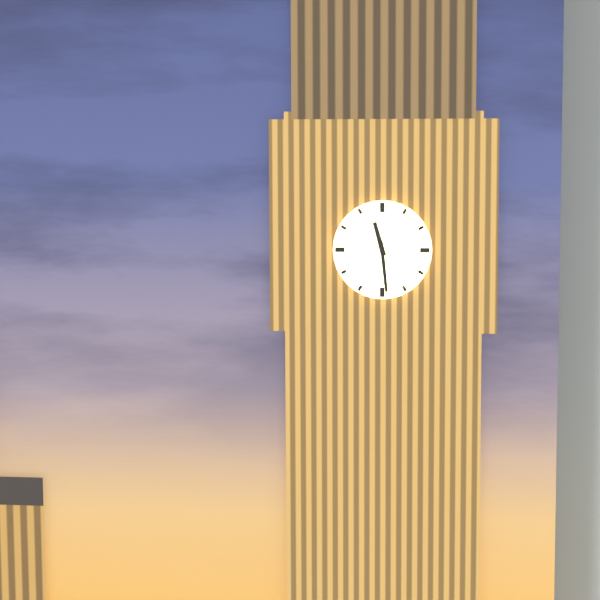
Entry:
h=11 m=29
